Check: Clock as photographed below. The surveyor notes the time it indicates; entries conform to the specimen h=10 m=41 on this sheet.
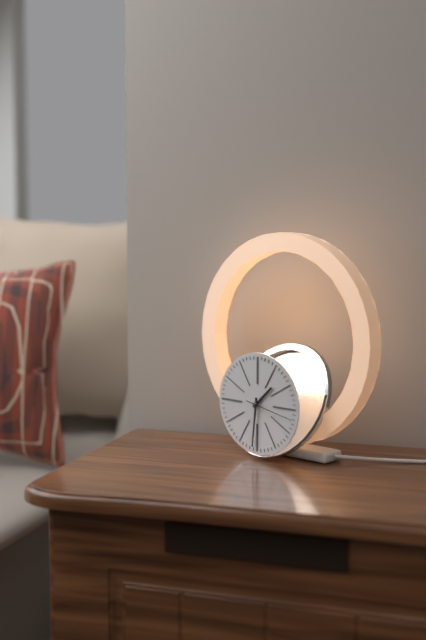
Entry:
h=1 m=31
